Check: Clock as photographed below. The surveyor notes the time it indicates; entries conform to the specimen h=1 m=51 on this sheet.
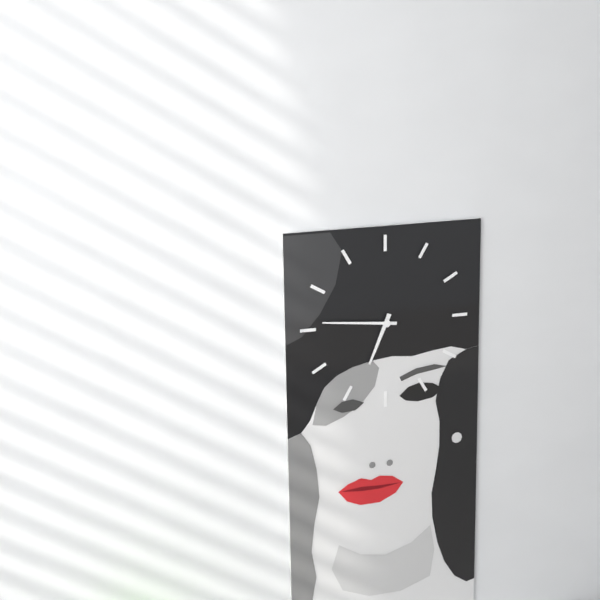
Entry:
h=6 m=46
